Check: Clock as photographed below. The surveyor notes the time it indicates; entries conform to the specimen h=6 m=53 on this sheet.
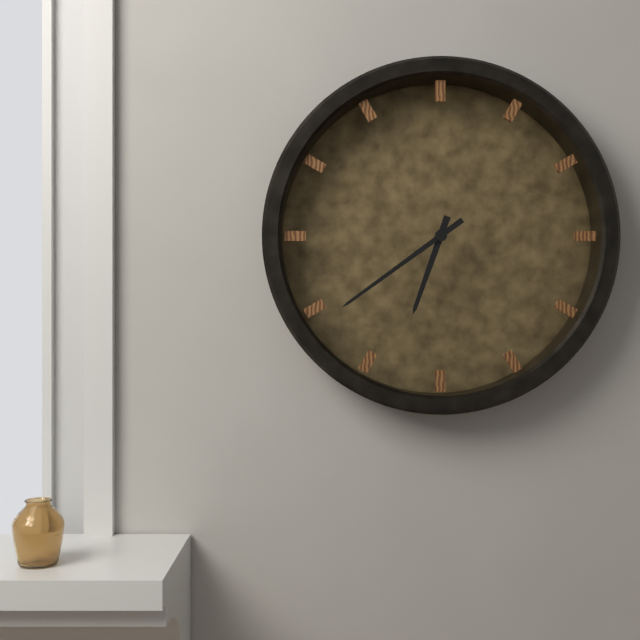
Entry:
h=6 m=39
